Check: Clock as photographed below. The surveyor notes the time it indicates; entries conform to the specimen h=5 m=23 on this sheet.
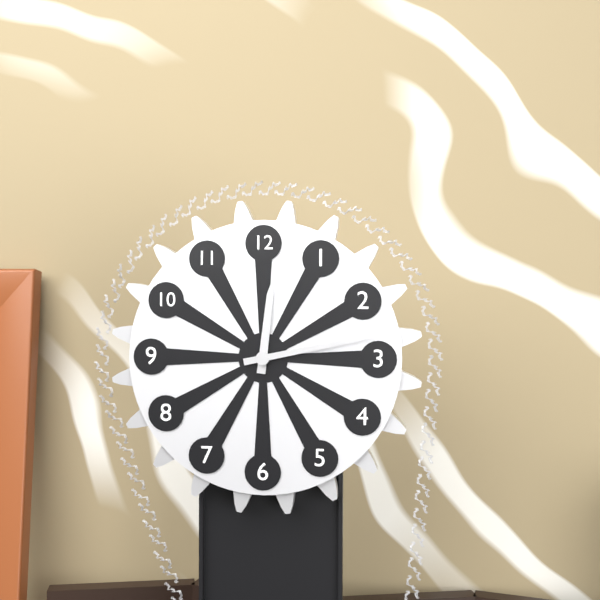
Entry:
h=12 m=13
